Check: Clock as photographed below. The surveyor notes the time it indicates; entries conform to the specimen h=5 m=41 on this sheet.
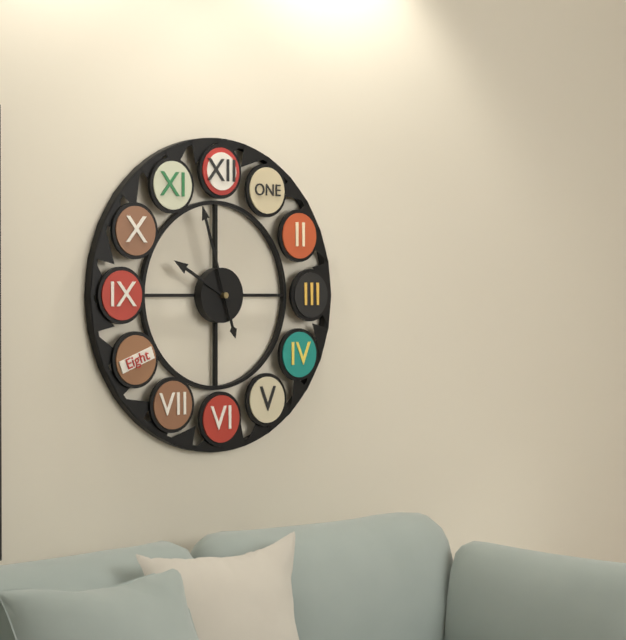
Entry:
h=9 m=57
